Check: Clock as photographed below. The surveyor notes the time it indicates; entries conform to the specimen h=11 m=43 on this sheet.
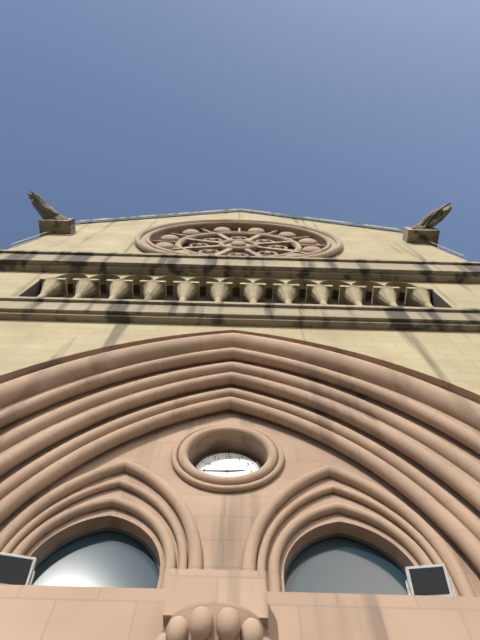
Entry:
h=2 m=45
